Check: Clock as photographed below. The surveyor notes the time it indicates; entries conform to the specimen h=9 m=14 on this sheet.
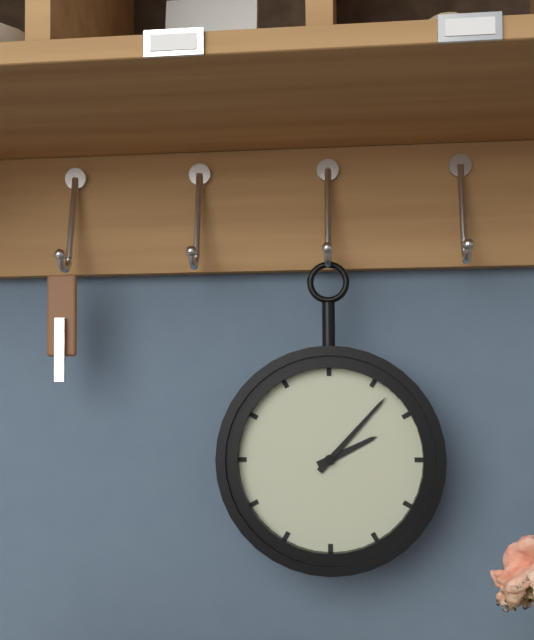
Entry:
h=2 m=7
